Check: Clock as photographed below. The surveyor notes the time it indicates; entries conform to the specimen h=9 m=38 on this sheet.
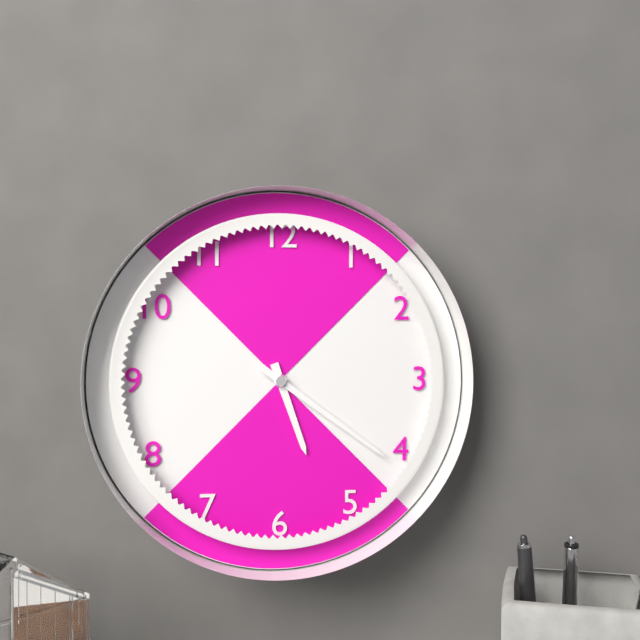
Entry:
h=5 m=21
